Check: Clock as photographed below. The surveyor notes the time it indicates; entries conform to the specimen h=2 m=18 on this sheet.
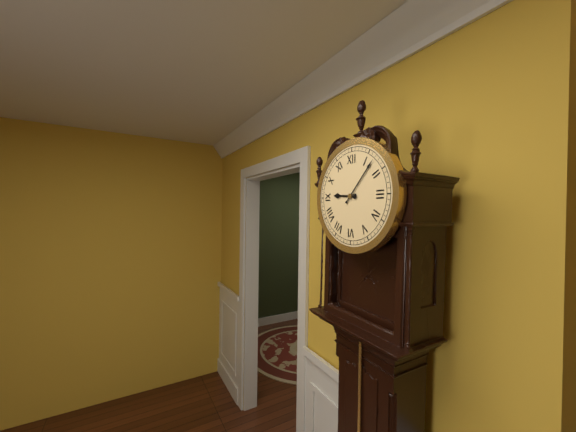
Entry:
h=9 m=7
